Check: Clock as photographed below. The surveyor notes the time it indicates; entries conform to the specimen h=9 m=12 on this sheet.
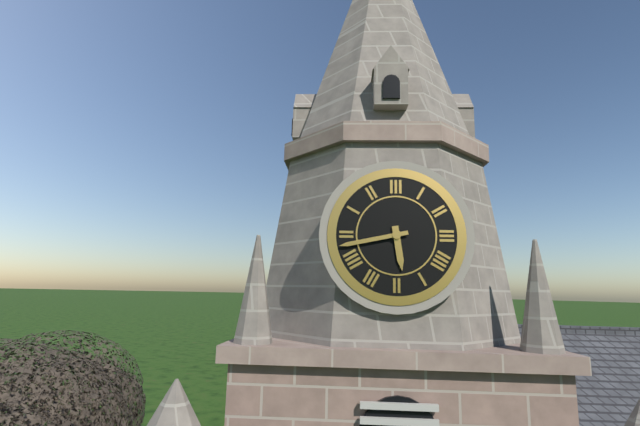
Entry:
h=5 m=43
